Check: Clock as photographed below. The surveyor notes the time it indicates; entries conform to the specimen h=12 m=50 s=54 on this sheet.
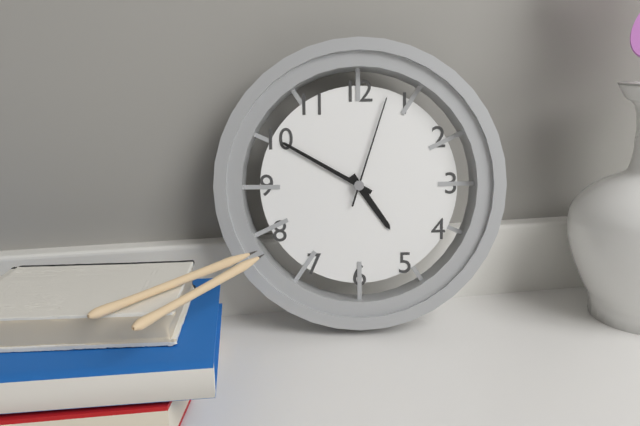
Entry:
h=4 m=50 s=3
